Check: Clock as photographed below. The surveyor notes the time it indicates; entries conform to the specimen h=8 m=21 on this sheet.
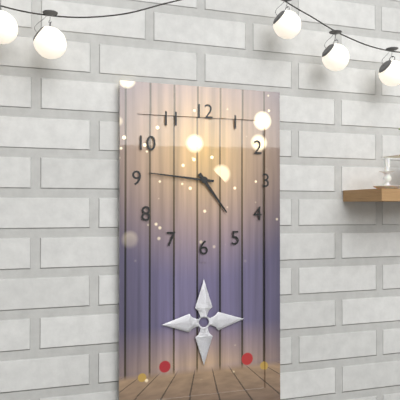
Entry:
h=4 m=46
